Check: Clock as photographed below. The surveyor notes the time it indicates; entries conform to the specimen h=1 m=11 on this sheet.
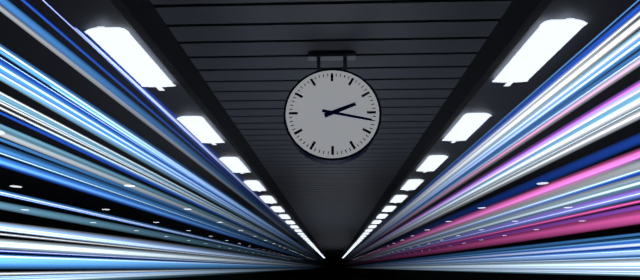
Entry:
h=2 m=17
